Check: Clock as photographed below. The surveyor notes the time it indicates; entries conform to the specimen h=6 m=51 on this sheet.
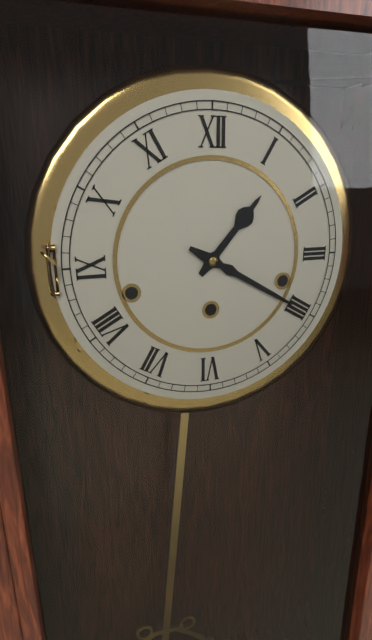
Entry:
h=1 m=20
